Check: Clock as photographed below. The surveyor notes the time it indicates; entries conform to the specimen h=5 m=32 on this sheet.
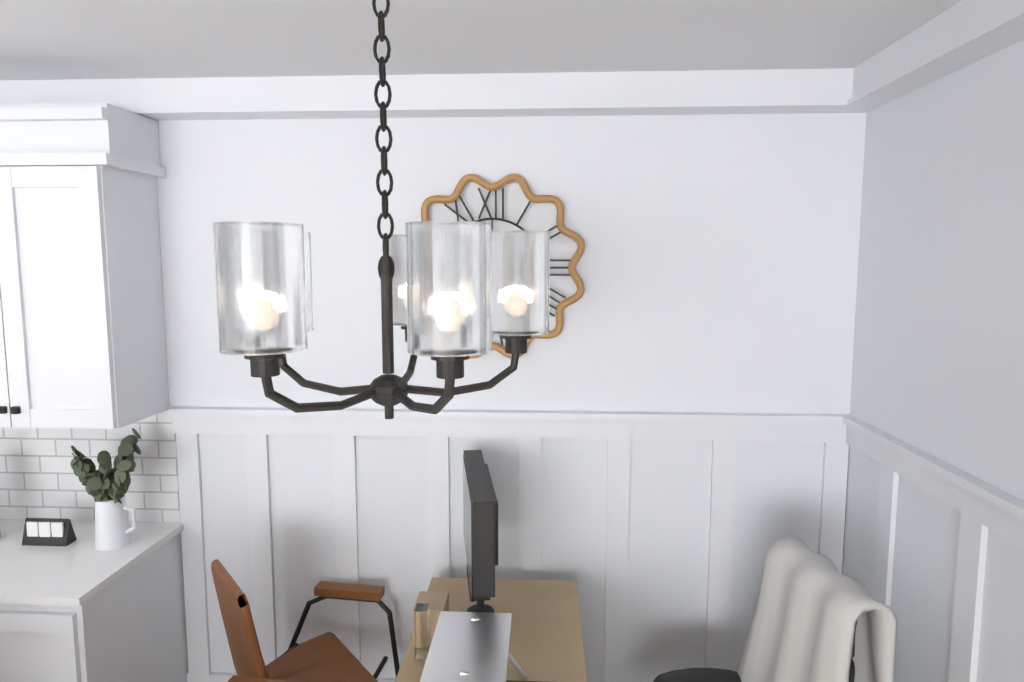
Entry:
h=1 m=39
